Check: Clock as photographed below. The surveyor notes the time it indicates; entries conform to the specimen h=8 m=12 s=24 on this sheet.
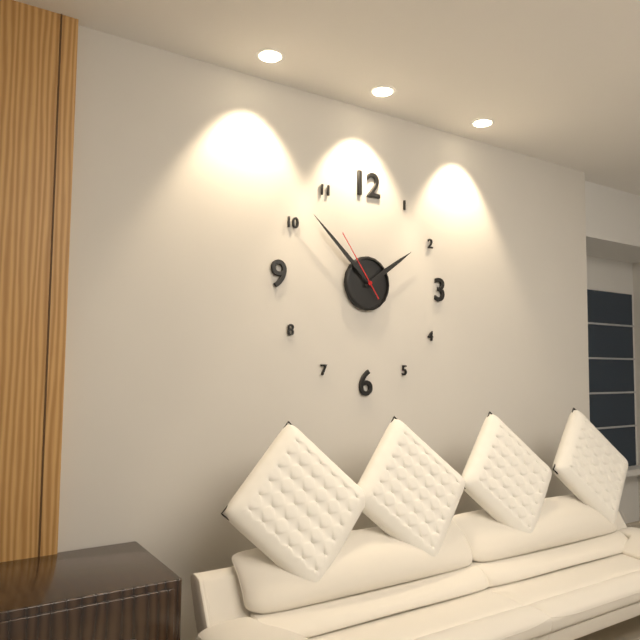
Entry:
h=1 m=52 s=54
